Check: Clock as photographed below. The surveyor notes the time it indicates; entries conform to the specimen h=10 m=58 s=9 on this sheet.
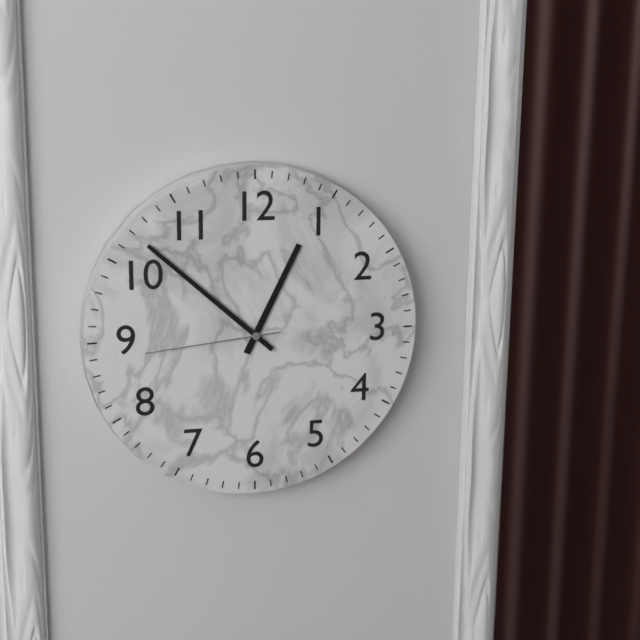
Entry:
h=12 m=52 s=44
